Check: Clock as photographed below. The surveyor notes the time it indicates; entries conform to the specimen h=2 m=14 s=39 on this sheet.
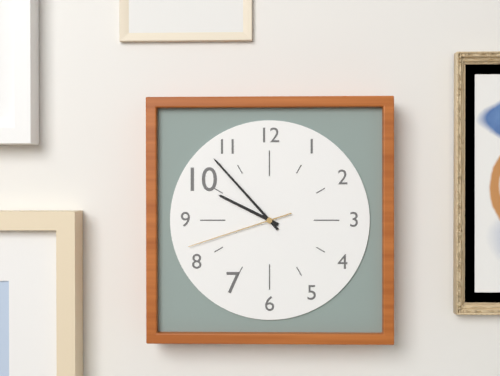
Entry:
h=9 m=53 s=42
